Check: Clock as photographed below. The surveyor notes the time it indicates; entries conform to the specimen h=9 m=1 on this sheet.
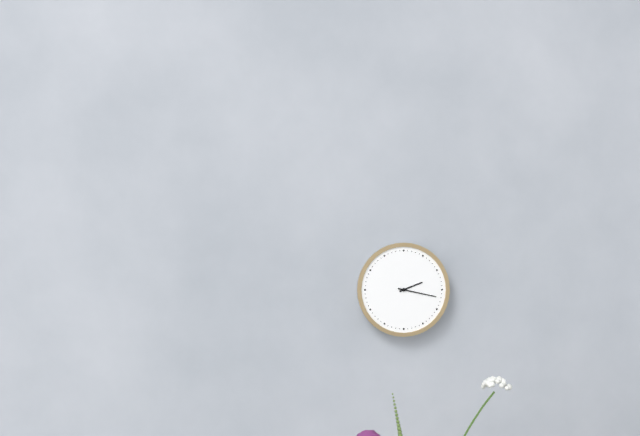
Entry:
h=2 m=17
